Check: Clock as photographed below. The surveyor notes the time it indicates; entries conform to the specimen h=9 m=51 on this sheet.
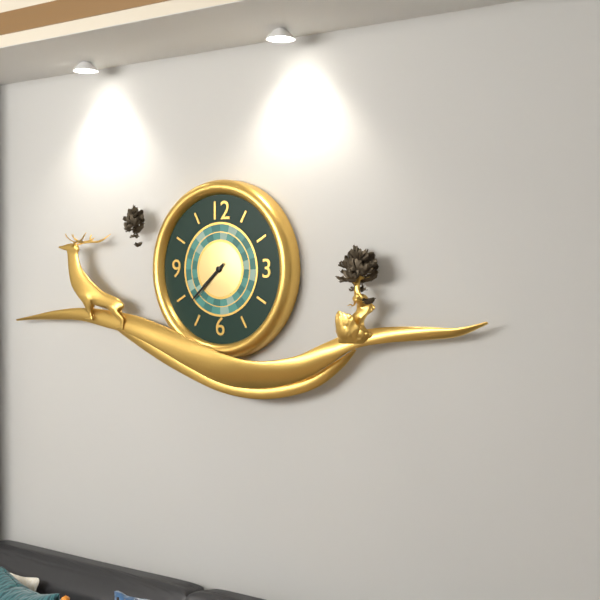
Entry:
h=7 m=38
